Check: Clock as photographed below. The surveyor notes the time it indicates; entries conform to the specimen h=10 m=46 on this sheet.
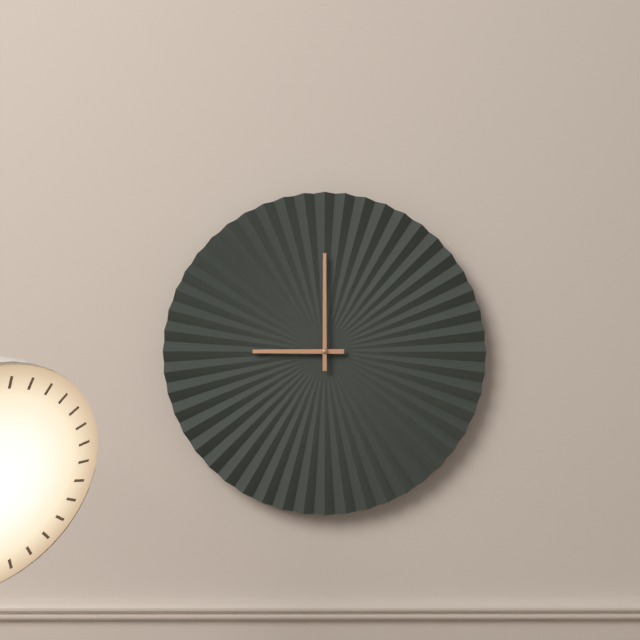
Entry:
h=9 m=0
